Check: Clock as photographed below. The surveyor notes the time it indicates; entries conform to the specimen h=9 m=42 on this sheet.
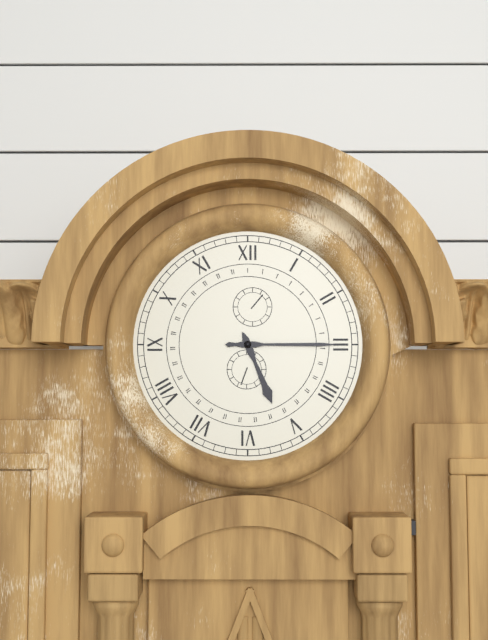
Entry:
h=5 m=15
